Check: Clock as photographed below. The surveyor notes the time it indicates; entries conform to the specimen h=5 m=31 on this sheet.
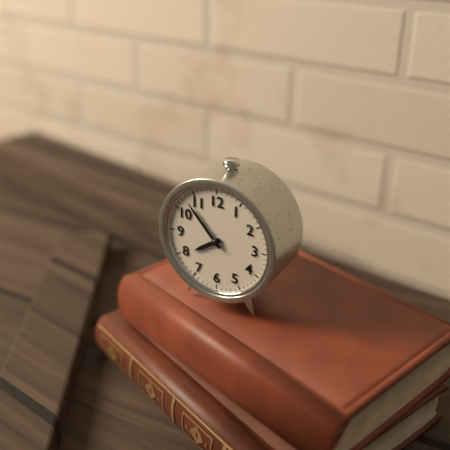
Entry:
h=7 m=53
